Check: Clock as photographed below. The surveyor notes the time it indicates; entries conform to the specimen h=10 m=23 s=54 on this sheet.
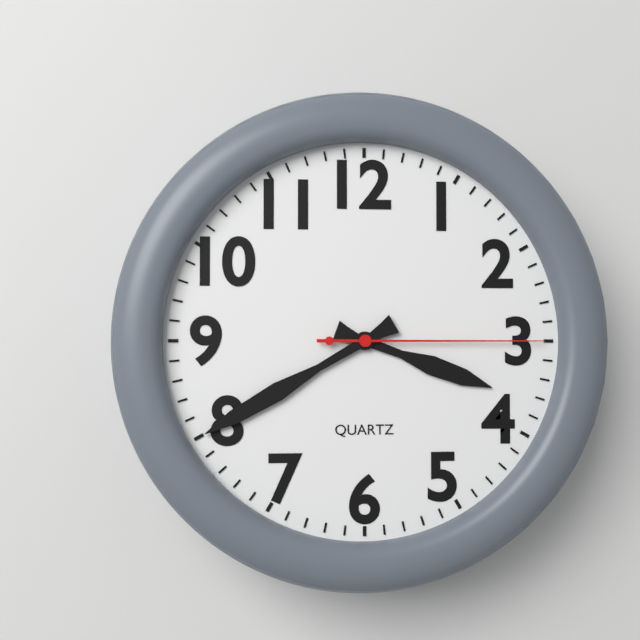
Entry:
h=3 m=40 s=15
